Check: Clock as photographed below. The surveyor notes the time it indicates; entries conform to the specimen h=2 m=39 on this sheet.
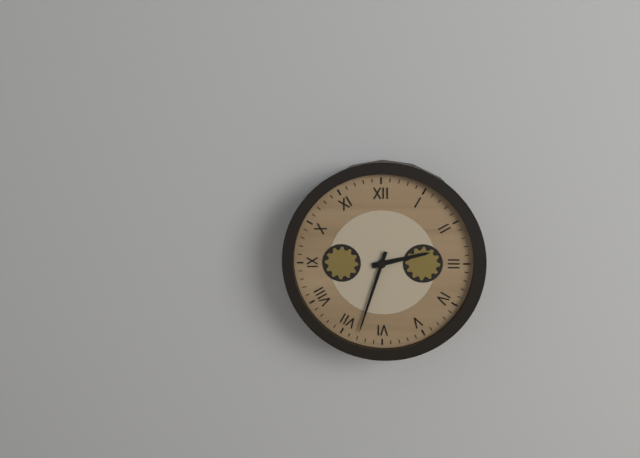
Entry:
h=2 m=33
